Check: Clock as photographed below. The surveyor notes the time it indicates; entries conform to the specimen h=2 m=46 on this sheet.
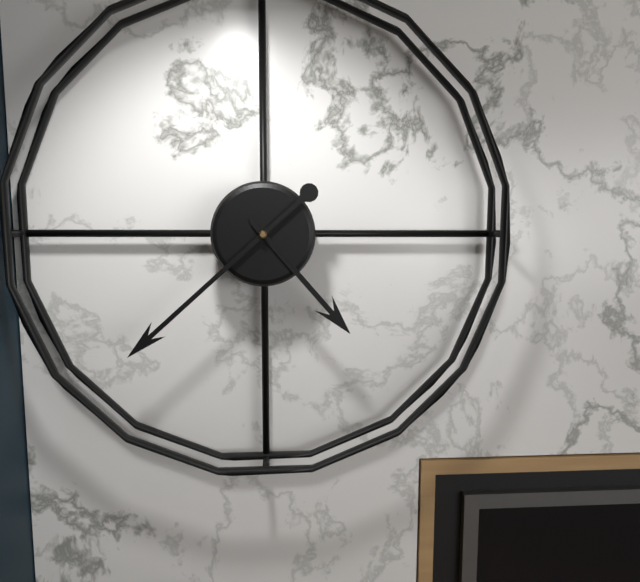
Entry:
h=4 m=38
